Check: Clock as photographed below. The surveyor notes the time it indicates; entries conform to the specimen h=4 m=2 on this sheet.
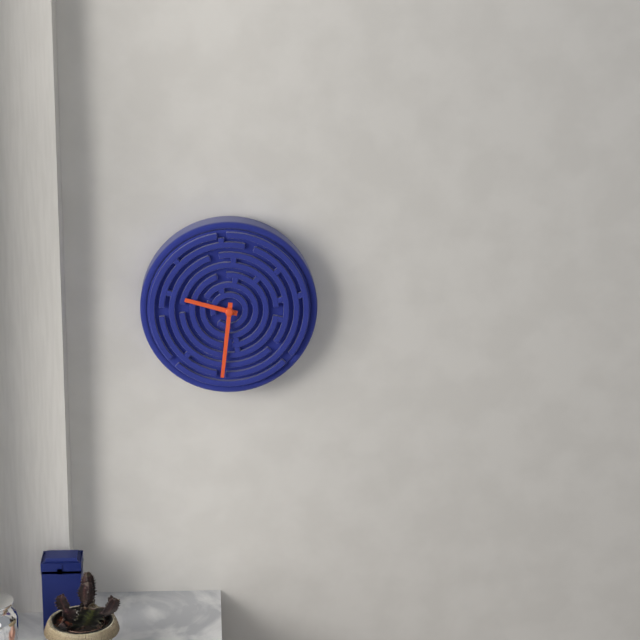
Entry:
h=9 m=31
